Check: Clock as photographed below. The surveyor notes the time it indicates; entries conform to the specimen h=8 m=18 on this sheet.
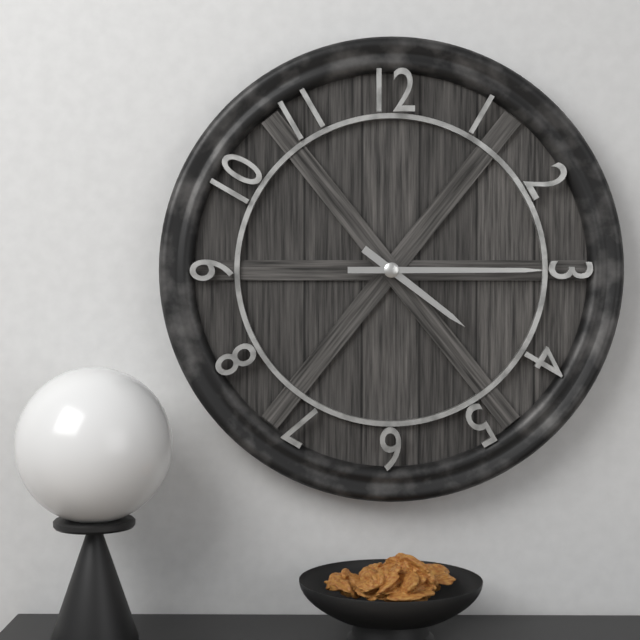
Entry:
h=4 m=15
